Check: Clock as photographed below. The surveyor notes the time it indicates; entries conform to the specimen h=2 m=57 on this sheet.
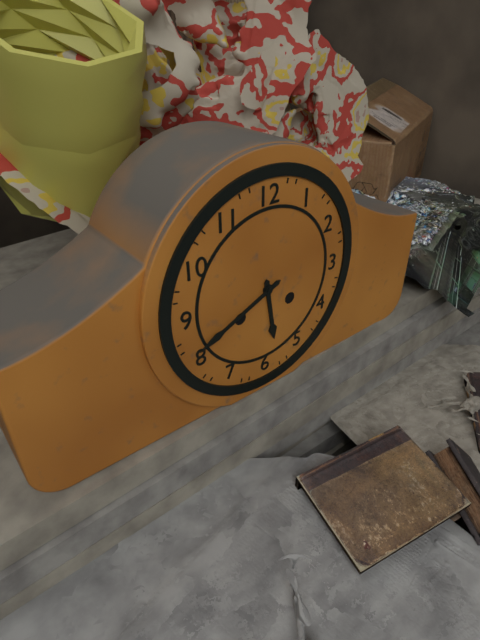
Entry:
h=5 m=41
